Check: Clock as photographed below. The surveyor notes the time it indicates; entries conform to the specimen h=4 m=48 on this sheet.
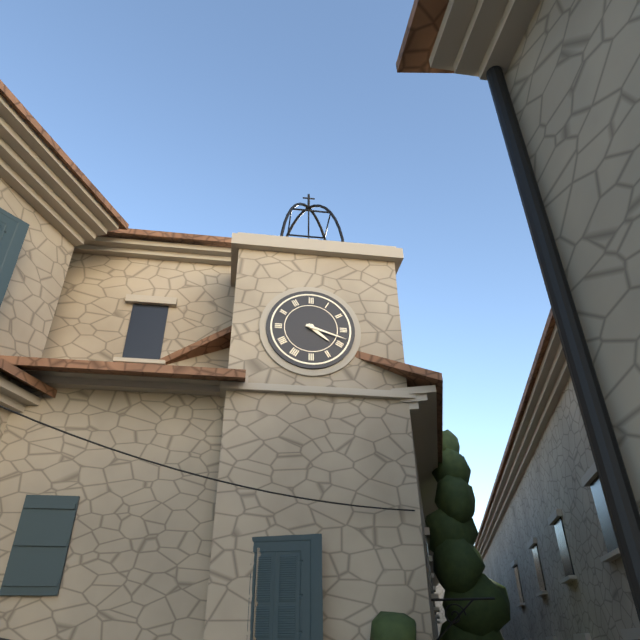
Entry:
h=4 m=18
